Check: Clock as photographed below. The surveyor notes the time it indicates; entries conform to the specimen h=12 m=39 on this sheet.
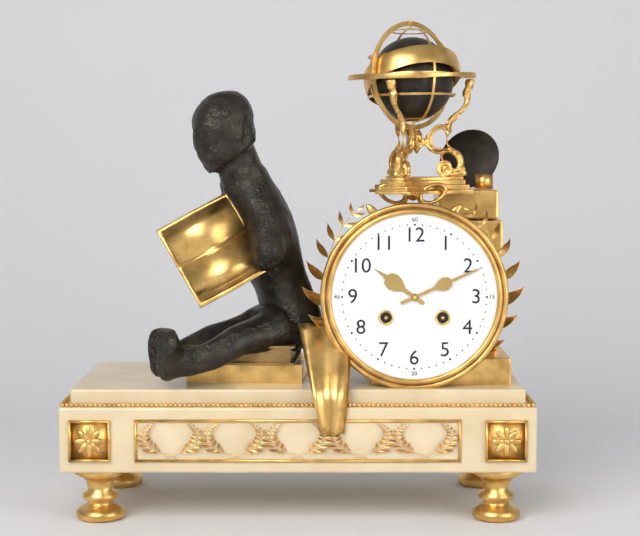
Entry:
h=10 m=11
